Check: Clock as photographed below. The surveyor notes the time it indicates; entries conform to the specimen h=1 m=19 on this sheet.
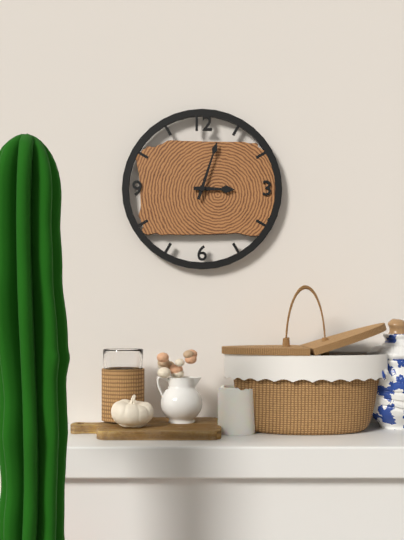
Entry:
h=3 m=3
